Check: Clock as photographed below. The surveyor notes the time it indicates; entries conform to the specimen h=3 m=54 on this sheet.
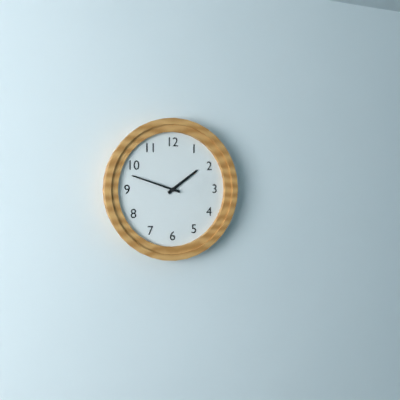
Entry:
h=1 m=48
